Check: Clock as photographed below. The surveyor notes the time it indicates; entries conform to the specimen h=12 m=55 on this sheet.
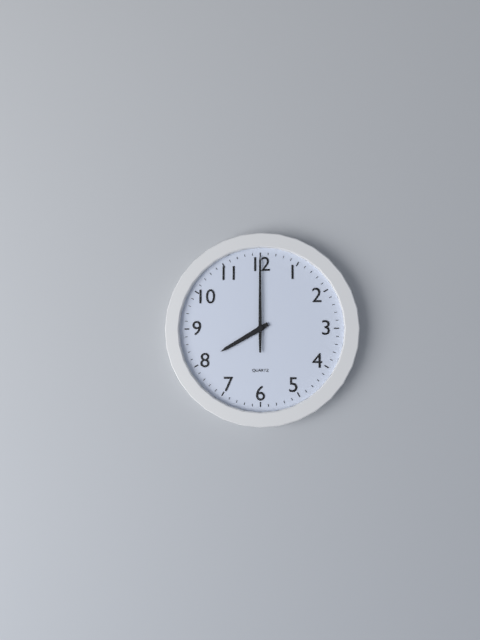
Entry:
h=8 m=0
